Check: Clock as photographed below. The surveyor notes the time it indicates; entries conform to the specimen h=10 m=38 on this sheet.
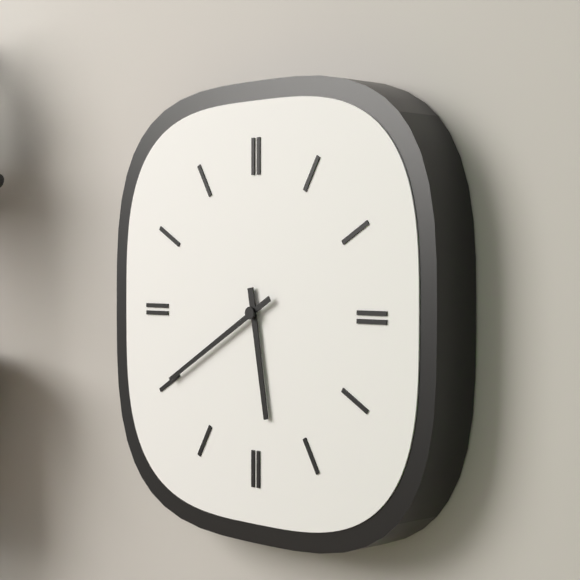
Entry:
h=5 m=40
